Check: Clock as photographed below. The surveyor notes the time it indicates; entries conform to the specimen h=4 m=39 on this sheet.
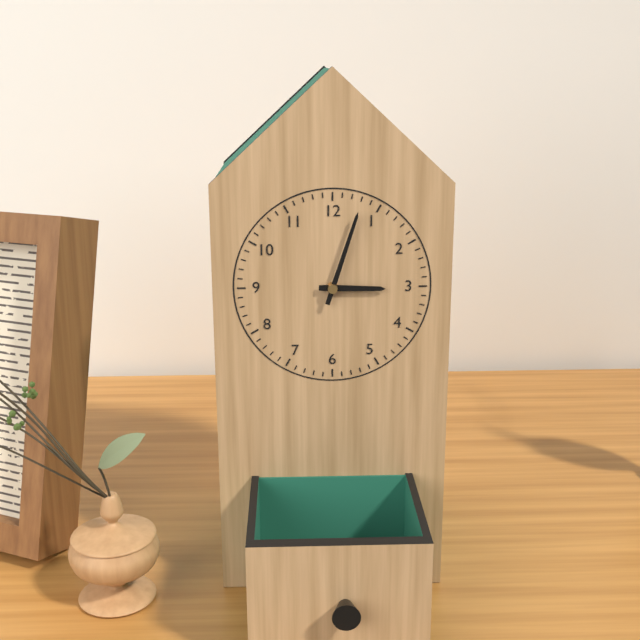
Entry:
h=3 m=3
